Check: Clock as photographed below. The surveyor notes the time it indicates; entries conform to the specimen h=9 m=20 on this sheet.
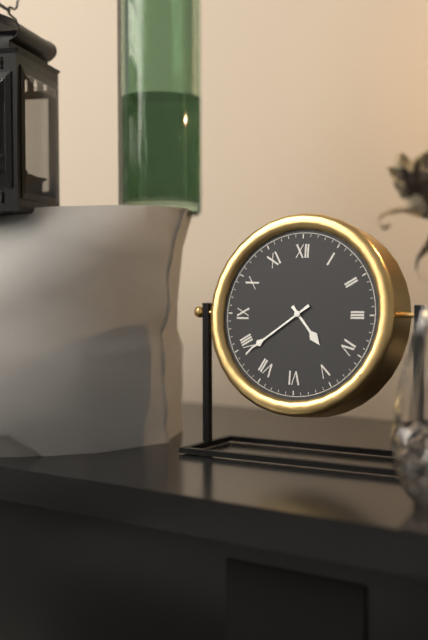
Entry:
h=4 m=39
